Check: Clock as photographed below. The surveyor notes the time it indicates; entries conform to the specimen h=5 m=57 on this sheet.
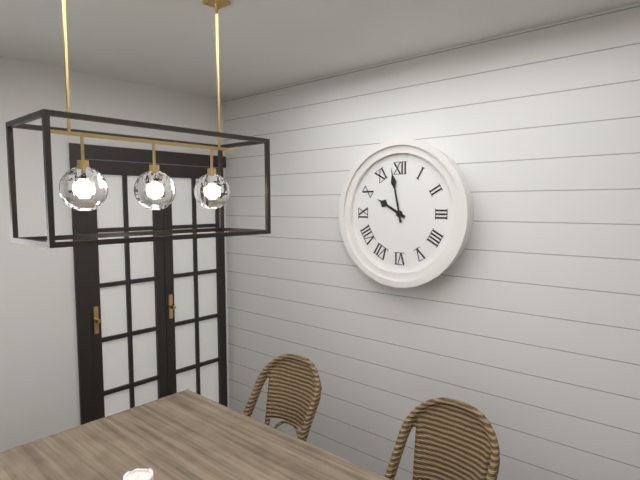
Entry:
h=9 m=58
